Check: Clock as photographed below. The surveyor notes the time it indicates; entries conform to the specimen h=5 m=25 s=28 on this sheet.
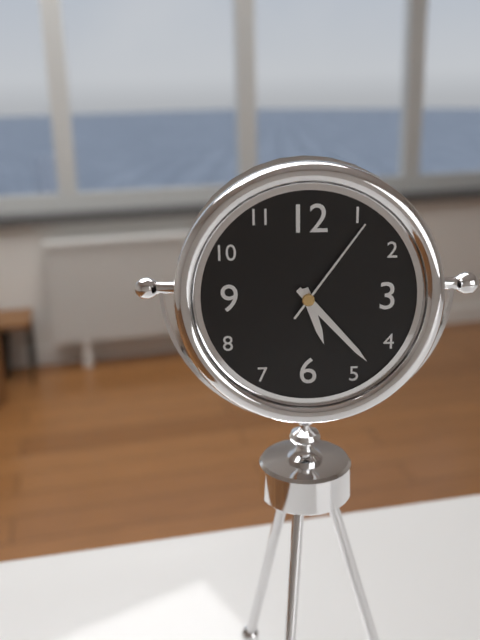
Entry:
h=5 m=23 s=6
